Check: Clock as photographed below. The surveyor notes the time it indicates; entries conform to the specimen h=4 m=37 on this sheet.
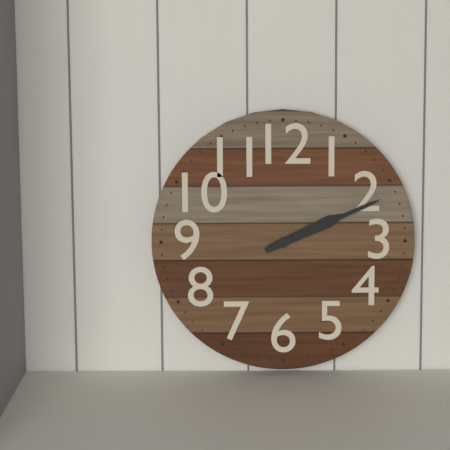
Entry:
h=2 m=11
